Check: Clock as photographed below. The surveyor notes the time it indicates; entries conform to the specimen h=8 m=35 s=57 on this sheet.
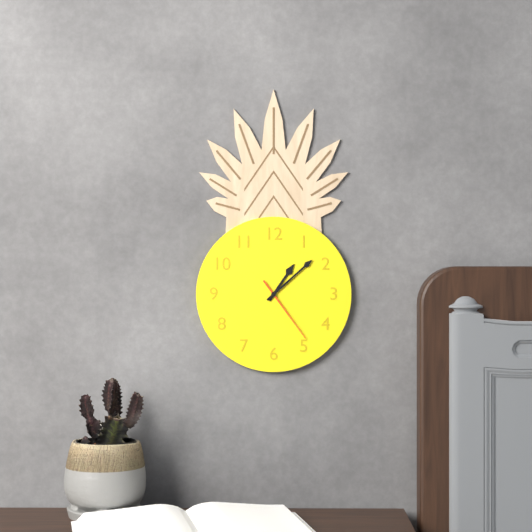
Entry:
h=1 m=8 s=24
